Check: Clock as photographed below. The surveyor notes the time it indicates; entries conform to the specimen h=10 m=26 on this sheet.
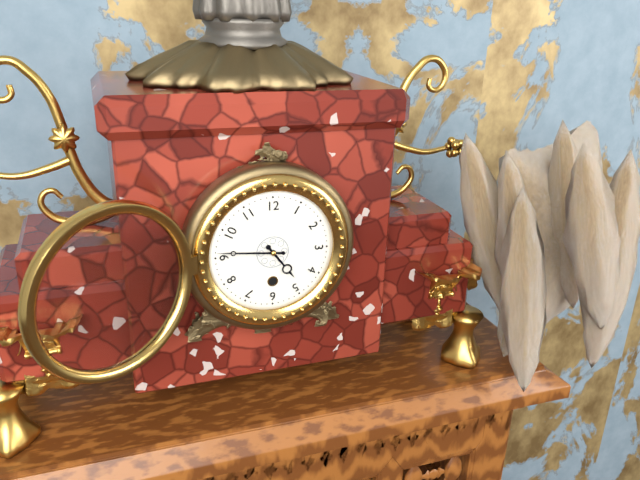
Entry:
h=4 m=46
